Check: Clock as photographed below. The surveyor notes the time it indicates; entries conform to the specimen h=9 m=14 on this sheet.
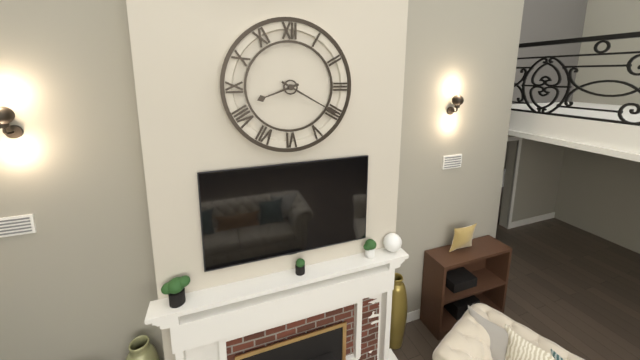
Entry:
h=8 m=20
